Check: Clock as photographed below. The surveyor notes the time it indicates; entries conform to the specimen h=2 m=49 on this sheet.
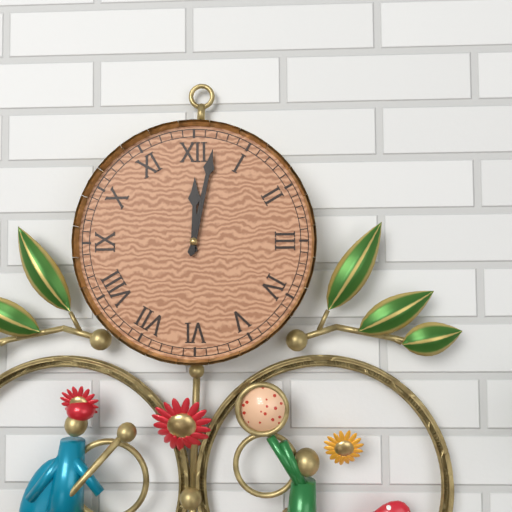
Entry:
h=12 m=2
